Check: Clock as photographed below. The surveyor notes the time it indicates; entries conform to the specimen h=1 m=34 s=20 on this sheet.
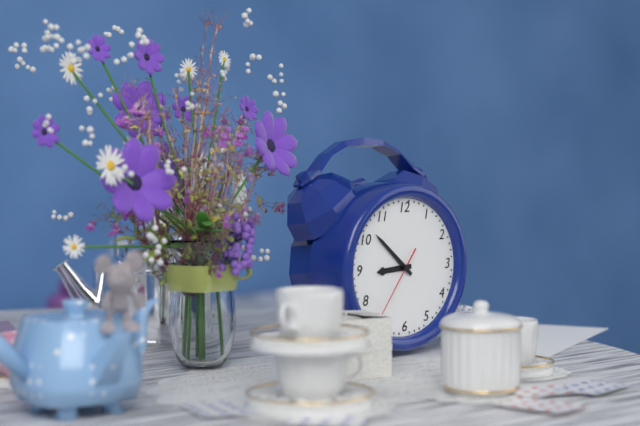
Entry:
h=8 m=52 s=36
